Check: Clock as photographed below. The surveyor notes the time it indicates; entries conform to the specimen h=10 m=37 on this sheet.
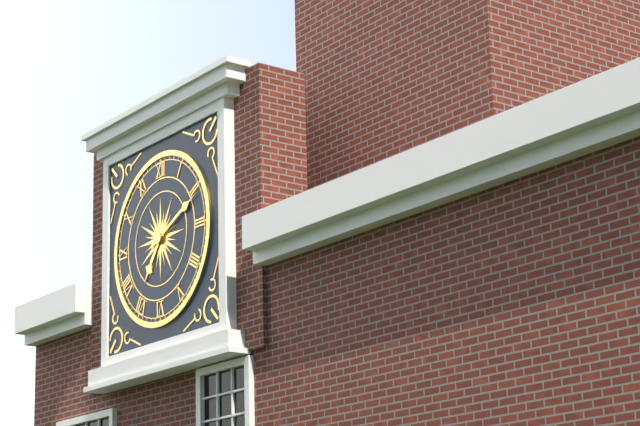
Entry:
h=7 m=11
